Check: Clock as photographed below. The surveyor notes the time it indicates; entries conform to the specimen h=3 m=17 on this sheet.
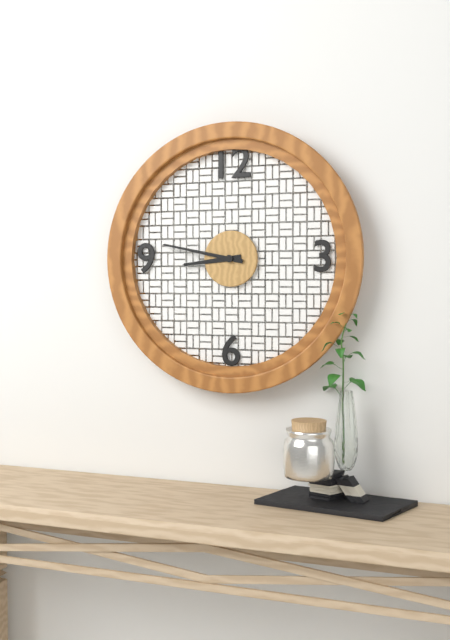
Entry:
h=8 m=47
